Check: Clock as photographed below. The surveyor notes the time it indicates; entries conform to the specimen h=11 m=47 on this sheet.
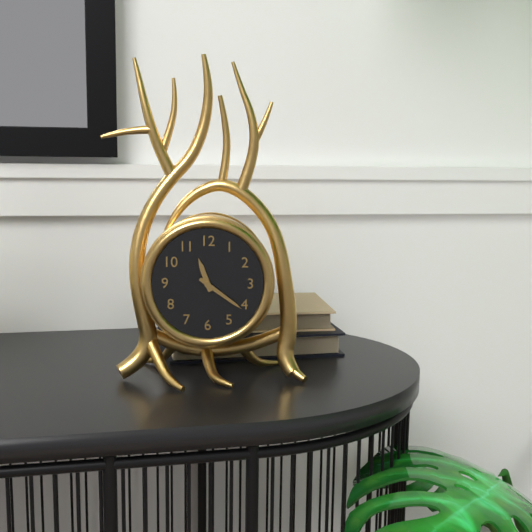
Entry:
h=11 m=21
